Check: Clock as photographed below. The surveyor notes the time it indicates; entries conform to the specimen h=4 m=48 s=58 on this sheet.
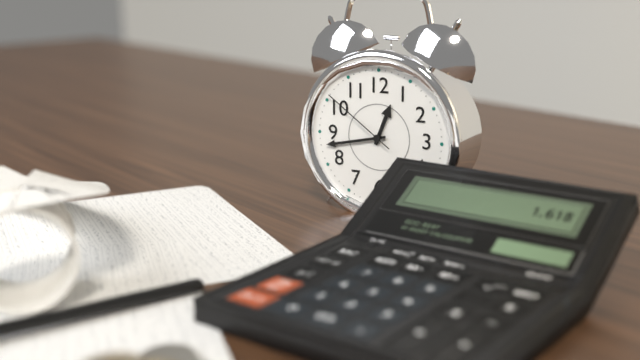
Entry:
h=12 m=43 s=51
